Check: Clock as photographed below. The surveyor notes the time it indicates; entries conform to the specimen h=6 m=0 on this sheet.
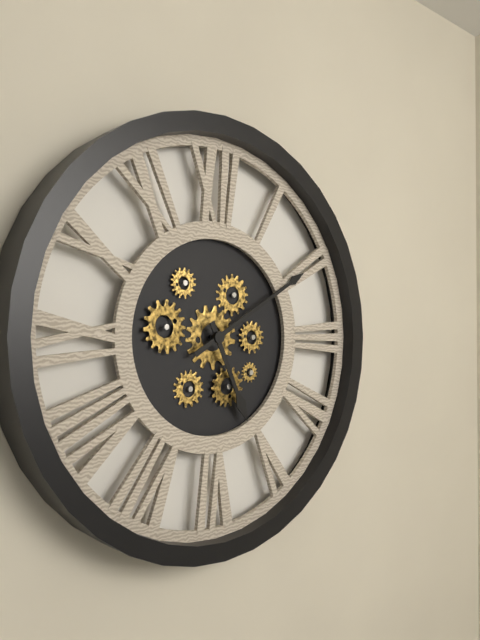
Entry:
h=5 m=10
